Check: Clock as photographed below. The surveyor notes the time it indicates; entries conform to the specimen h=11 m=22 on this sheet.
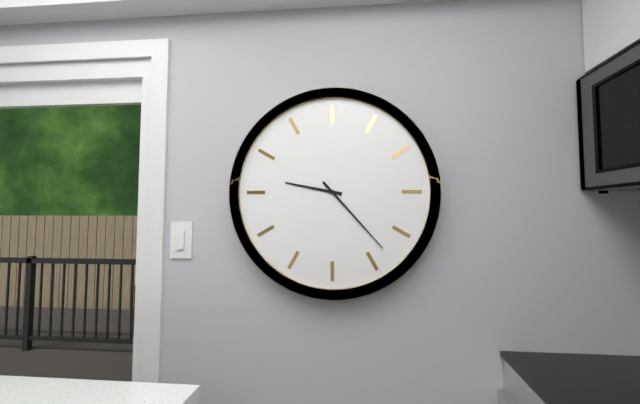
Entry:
h=9 m=23
